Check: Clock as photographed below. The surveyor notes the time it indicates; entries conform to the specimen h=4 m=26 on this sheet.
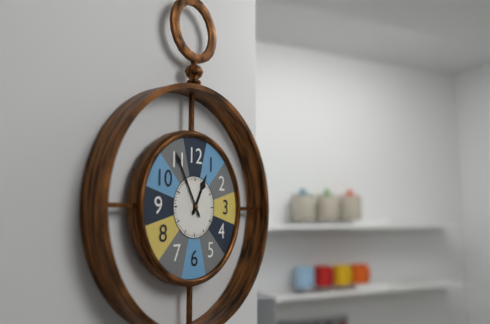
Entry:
h=12 m=55
